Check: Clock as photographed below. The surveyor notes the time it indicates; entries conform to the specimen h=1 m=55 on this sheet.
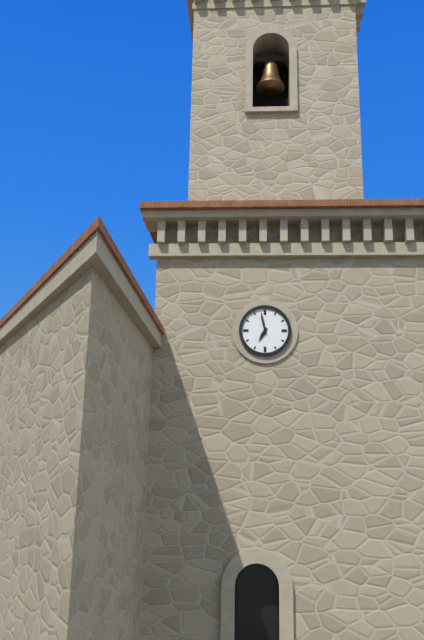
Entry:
h=6 m=58
